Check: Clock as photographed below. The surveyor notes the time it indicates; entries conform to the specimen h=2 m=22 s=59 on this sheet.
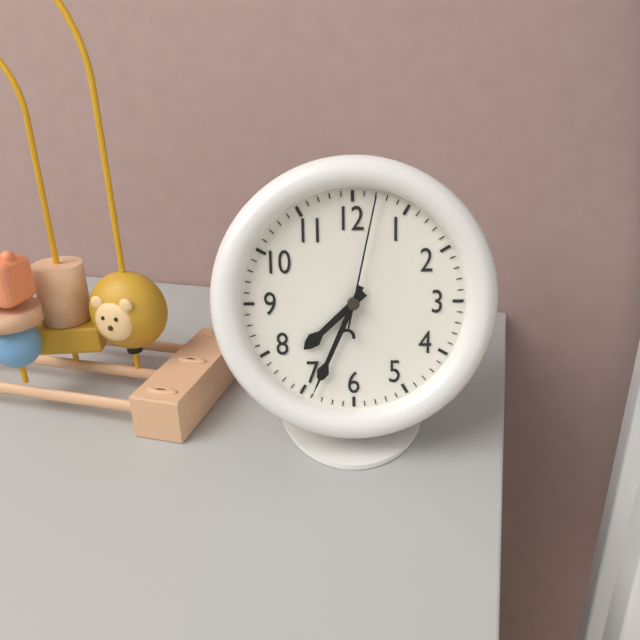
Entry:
h=7 m=34 s=2
